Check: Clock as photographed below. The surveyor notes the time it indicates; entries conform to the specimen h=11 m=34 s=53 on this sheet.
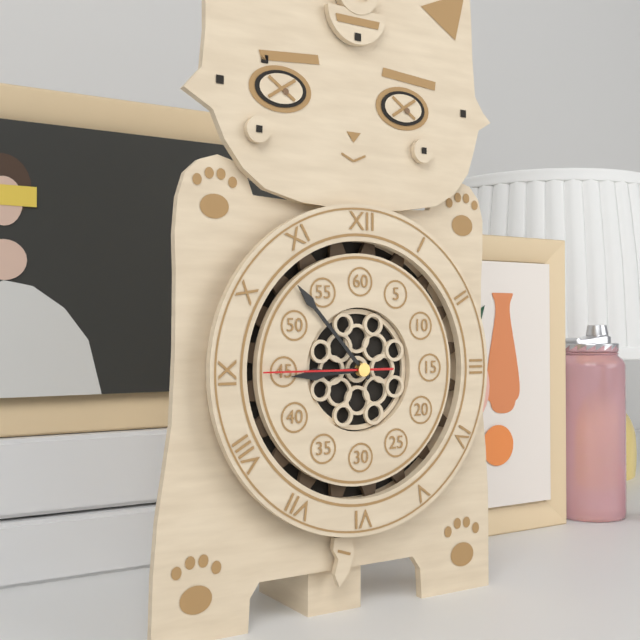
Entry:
h=8 m=53 s=45
